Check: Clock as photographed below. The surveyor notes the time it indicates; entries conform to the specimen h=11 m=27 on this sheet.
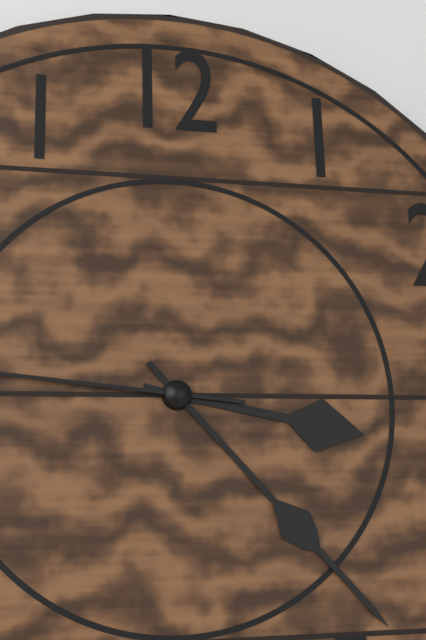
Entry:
h=3 m=23
